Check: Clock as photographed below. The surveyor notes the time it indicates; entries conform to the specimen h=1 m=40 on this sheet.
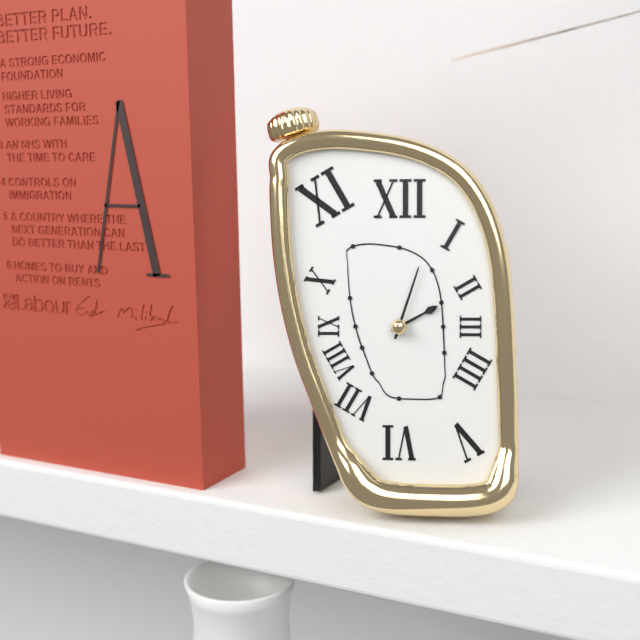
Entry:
h=2 m=3
